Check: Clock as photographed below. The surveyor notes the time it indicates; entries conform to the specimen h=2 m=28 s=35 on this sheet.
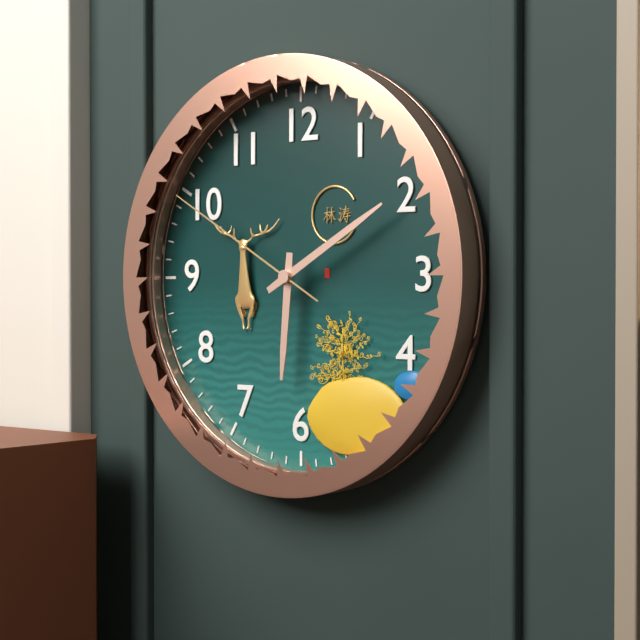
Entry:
h=6 m=10 s=50
